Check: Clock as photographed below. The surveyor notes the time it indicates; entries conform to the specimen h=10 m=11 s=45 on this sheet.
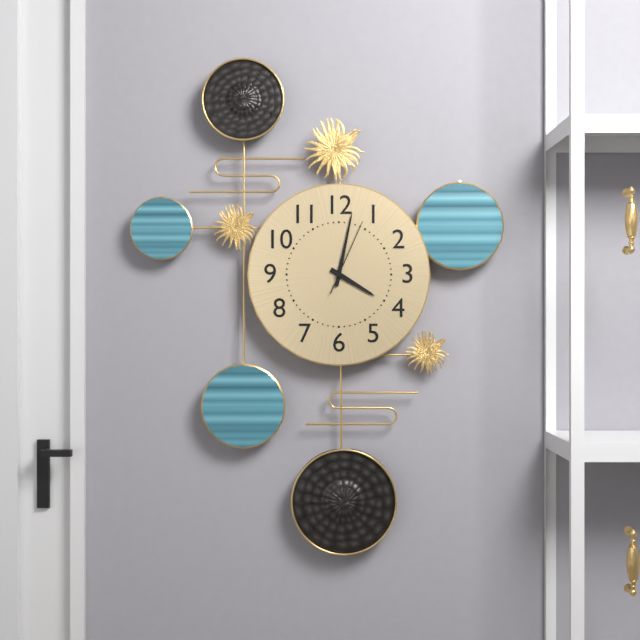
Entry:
h=4 m=2 s=4
